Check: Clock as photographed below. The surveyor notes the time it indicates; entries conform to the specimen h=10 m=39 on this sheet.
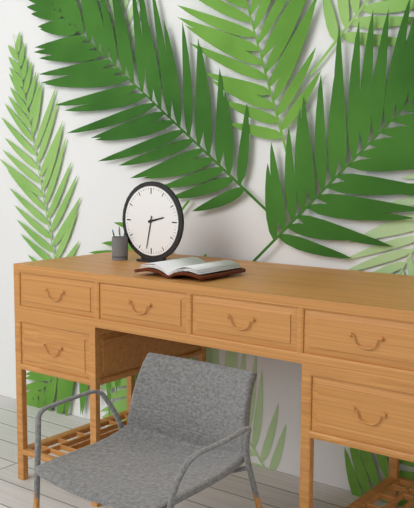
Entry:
h=2 m=32
